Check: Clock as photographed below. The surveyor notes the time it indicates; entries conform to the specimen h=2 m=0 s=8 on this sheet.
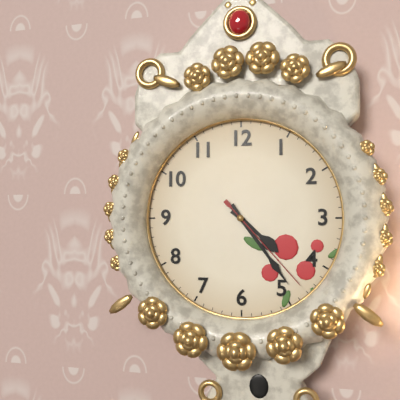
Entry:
h=4 m=24 s=23
